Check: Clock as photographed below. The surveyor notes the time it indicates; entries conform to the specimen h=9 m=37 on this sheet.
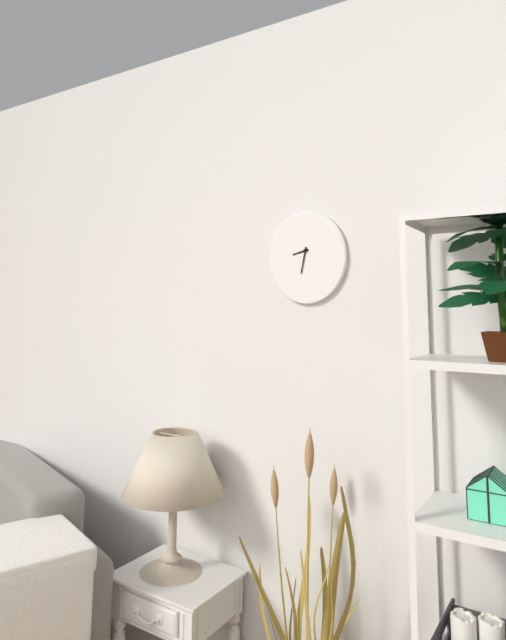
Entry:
h=8 m=32
